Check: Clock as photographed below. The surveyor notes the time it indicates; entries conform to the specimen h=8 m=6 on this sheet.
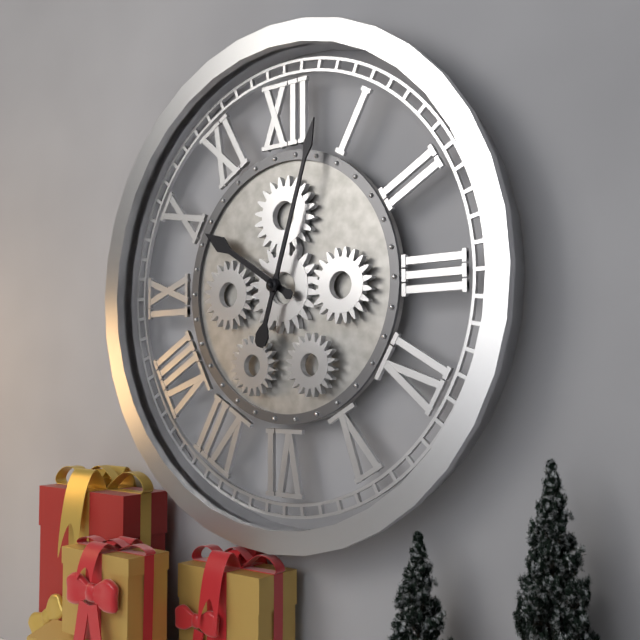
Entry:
h=10 m=3
